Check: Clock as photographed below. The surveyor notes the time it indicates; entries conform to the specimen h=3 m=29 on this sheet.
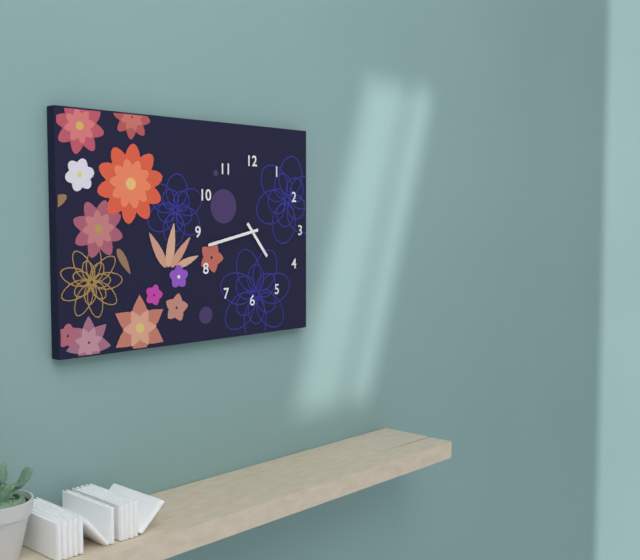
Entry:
h=4 m=43
